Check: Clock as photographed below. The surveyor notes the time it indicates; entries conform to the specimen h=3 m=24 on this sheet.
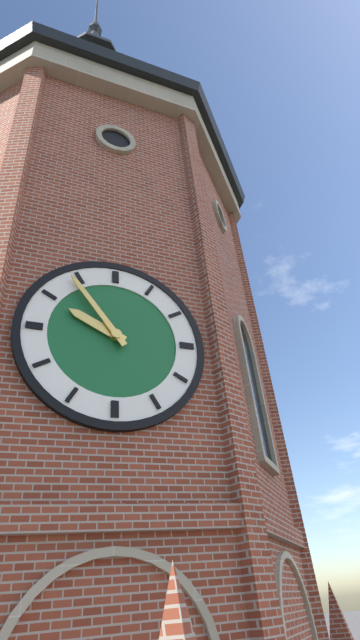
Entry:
h=9 m=54
